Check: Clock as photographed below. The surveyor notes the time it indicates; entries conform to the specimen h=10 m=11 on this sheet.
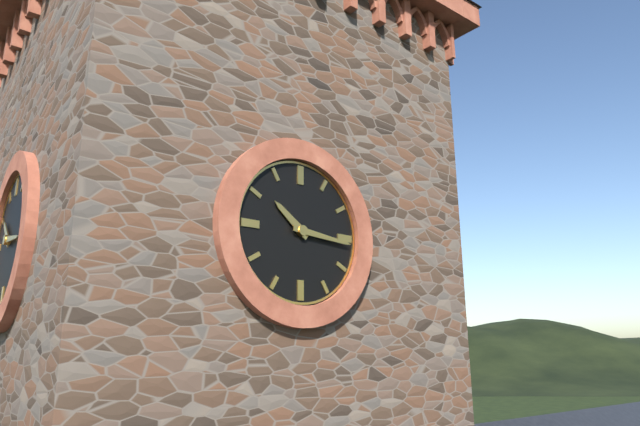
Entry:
h=10 m=16
